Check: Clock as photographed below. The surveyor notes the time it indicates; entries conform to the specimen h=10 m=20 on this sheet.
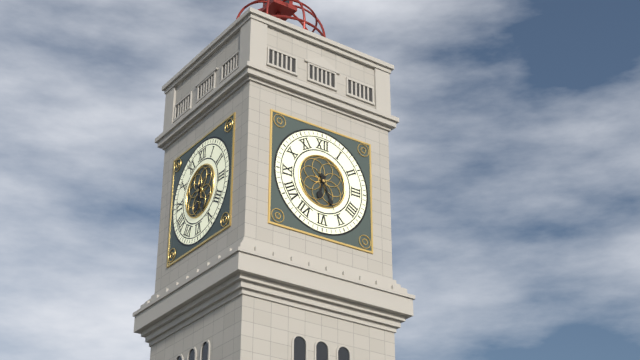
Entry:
h=6 m=26
